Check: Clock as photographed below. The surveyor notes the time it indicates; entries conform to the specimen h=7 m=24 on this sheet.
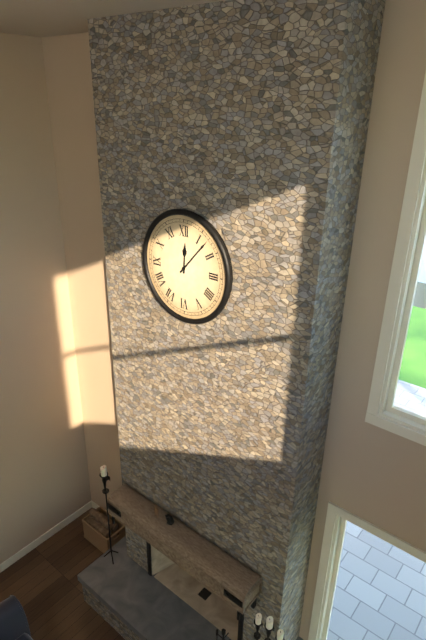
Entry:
h=12 m=7
